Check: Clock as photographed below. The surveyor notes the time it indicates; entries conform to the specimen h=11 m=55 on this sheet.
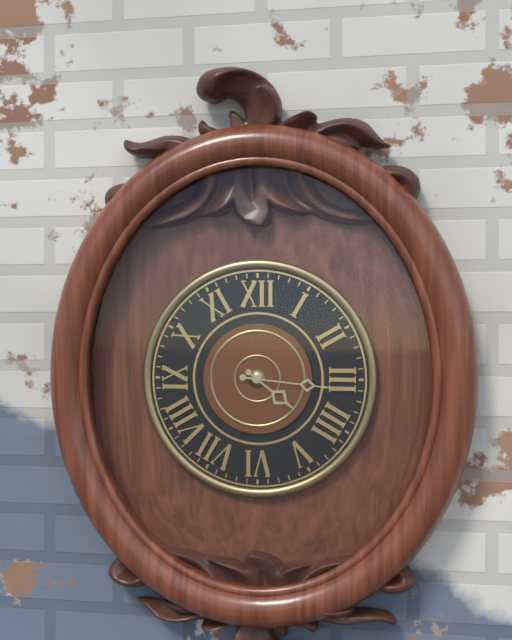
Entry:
h=4 m=16
